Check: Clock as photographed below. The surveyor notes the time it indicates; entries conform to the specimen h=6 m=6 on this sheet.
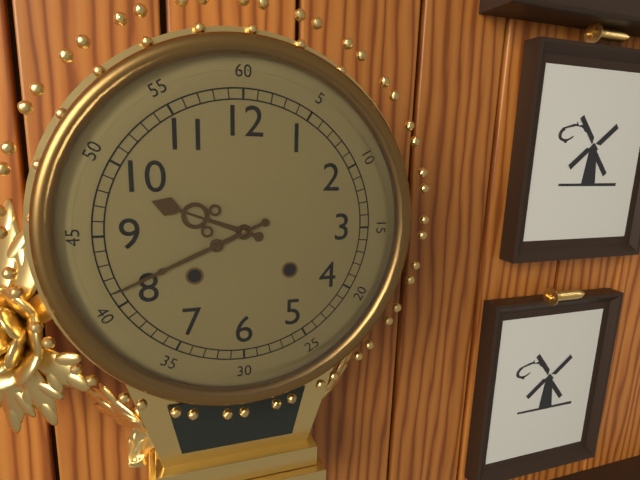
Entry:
h=9 m=41
